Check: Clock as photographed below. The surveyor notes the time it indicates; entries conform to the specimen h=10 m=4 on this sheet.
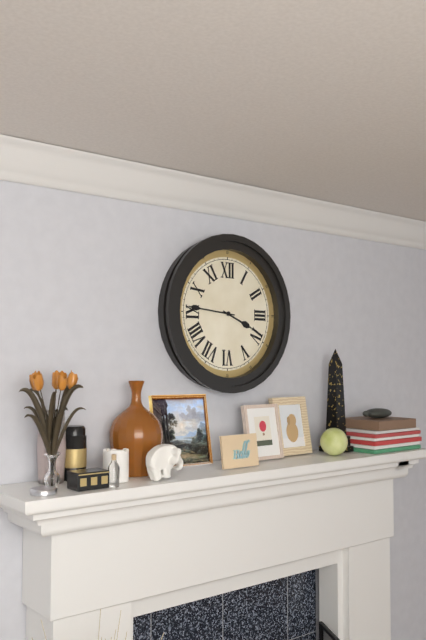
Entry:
h=3 m=46
